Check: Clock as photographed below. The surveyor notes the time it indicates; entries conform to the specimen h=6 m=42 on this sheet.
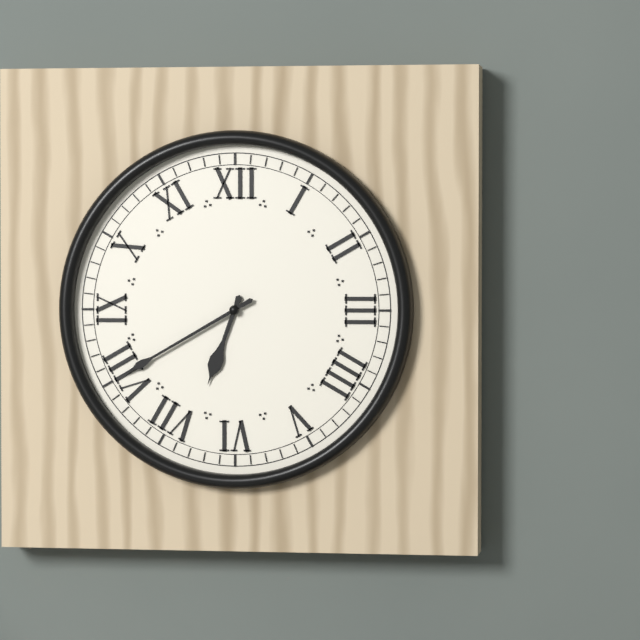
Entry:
h=6 m=40
